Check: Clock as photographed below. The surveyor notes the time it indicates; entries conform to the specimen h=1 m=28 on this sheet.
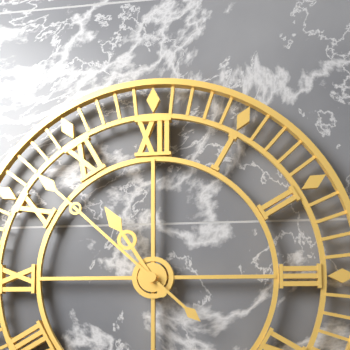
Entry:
h=10 m=52
